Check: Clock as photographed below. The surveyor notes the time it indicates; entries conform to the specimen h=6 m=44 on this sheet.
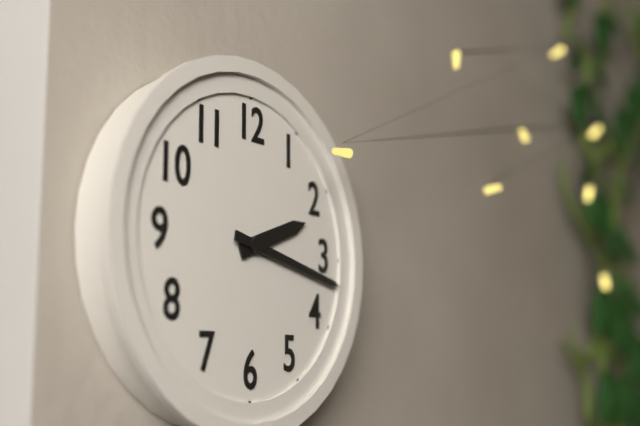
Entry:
h=2 m=17
